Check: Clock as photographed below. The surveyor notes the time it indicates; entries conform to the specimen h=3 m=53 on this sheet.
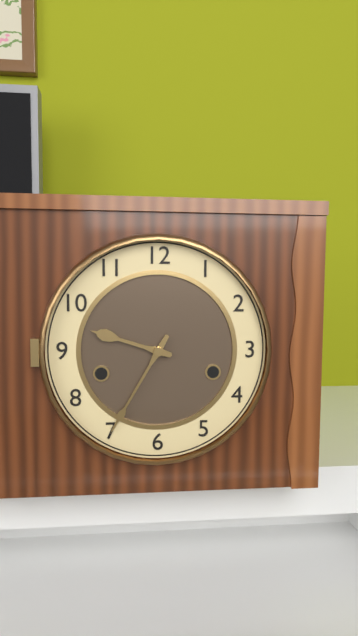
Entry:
h=9 m=35
